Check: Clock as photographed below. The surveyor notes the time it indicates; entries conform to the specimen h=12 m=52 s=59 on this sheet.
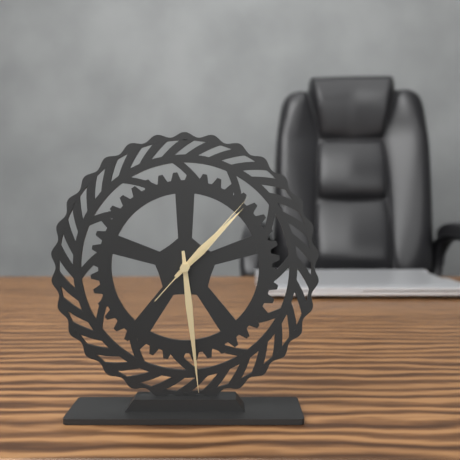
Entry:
h=1 m=29 s=7
